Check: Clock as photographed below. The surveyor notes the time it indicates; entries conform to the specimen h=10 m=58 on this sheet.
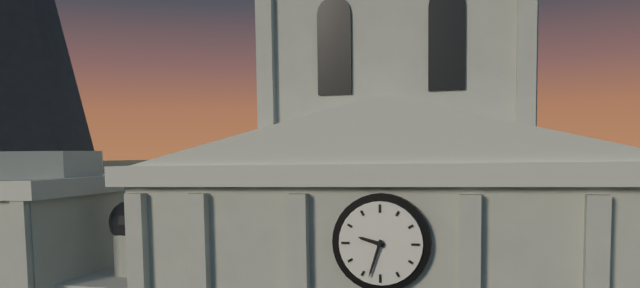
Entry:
h=9 m=33
